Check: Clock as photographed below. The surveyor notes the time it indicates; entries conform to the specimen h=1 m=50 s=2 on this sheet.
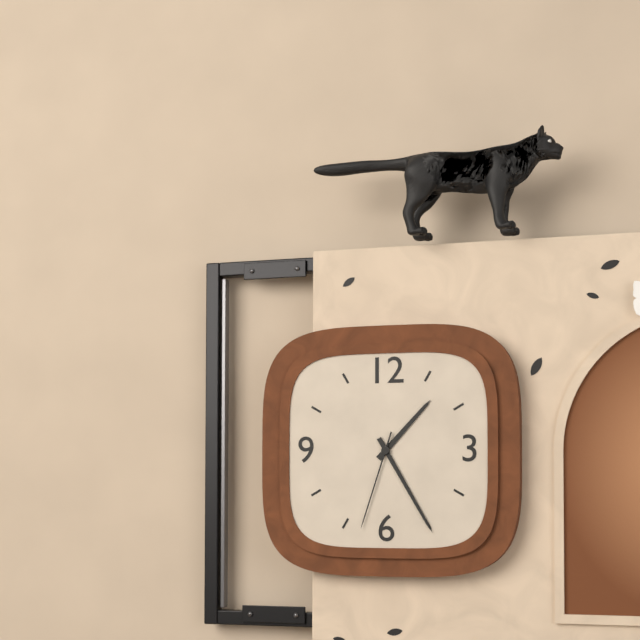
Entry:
h=1 m=25 s=33
